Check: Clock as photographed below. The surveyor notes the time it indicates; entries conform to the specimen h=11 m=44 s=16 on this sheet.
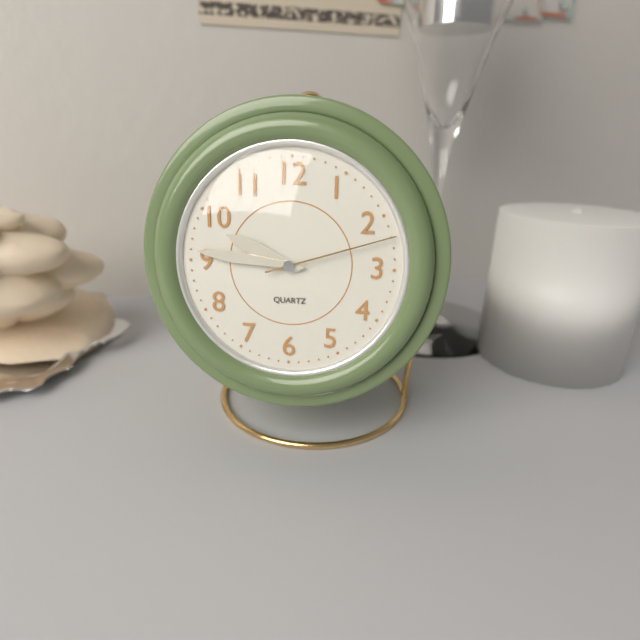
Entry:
h=9 m=46 s=12
